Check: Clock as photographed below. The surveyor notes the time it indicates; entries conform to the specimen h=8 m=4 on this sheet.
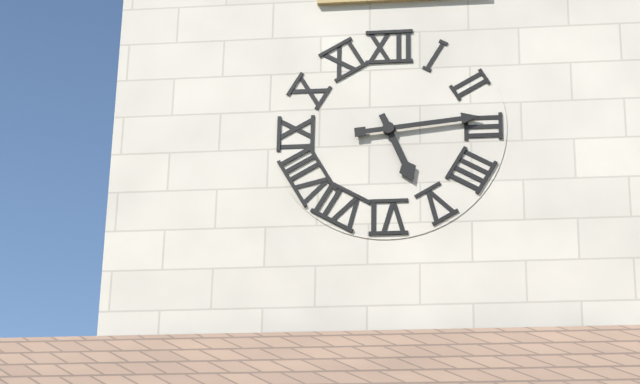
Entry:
h=5 m=14
